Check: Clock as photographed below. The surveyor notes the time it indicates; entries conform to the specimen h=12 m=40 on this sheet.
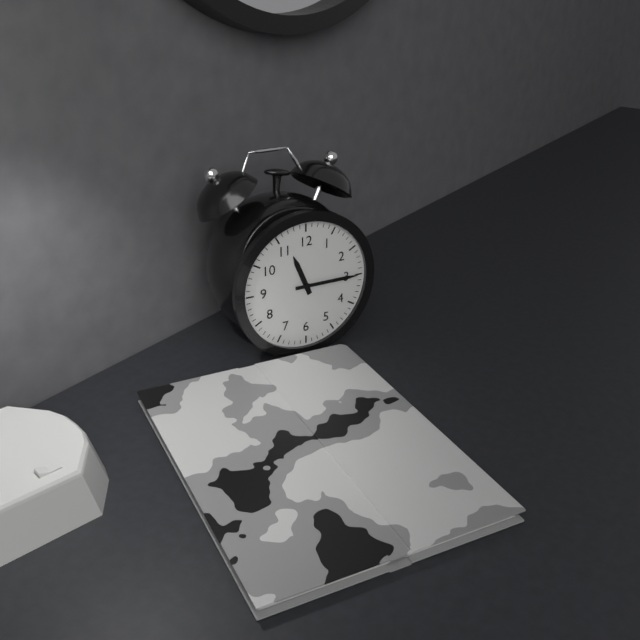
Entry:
h=11 m=15
